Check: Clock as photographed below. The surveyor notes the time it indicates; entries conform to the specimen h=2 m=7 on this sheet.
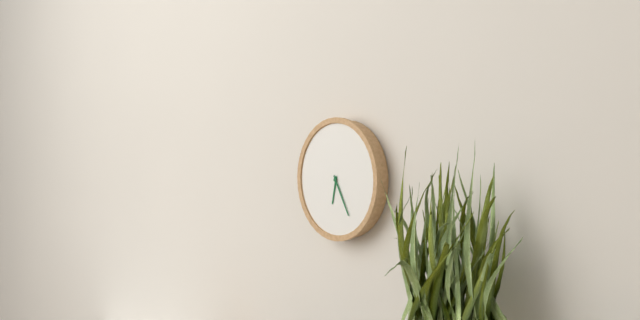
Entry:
h=6 m=25
